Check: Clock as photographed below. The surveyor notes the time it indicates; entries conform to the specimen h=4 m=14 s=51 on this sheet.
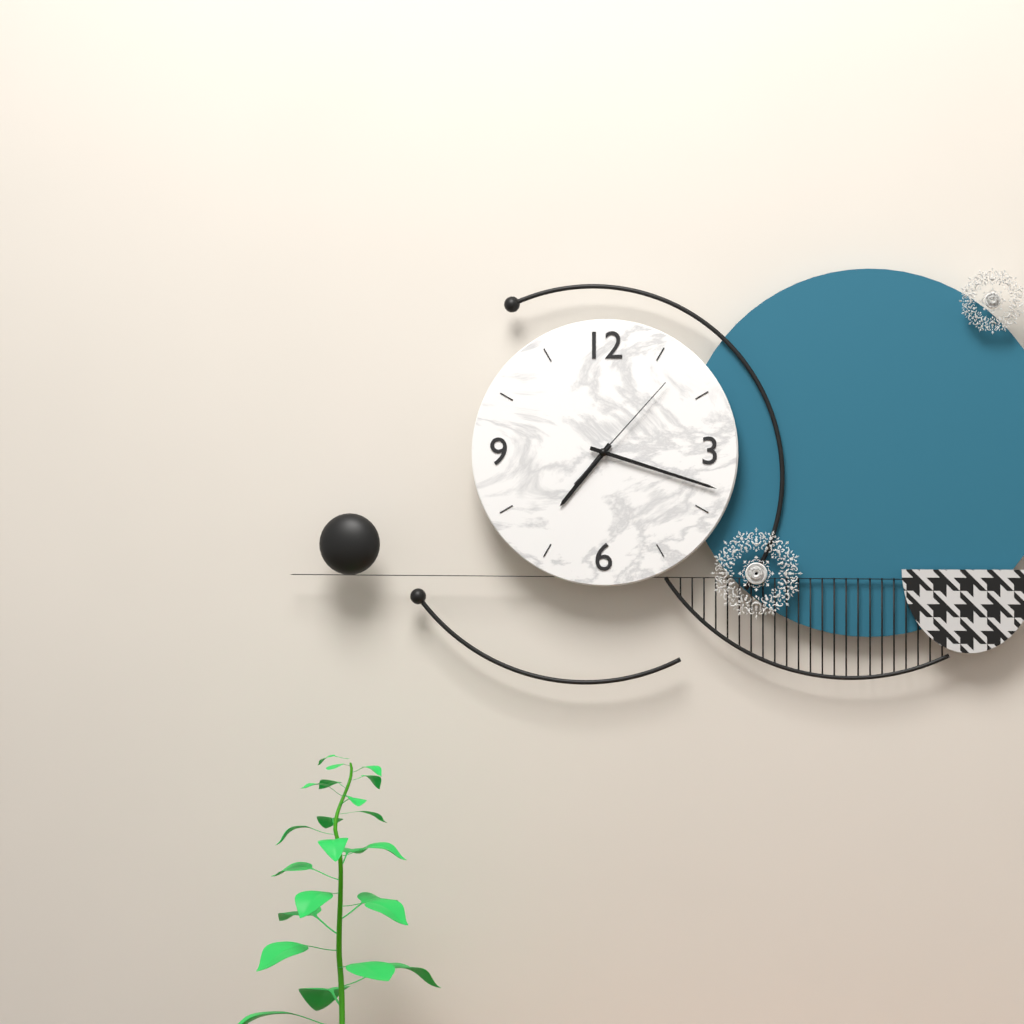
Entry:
h=7 m=18 s=7
